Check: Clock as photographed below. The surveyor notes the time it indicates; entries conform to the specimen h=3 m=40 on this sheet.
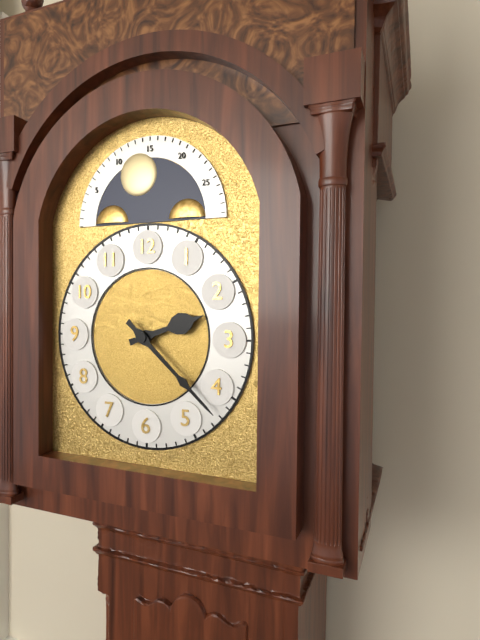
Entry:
h=2 m=22
